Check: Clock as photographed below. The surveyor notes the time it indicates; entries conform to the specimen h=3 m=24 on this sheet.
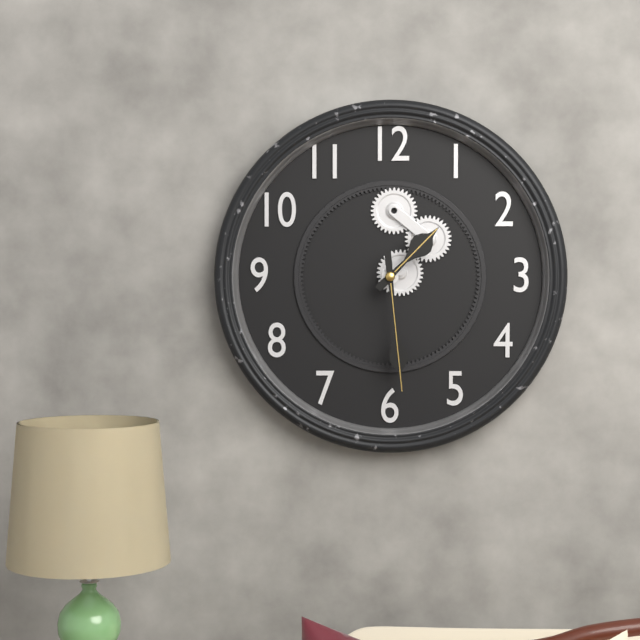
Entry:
h=1 m=29
